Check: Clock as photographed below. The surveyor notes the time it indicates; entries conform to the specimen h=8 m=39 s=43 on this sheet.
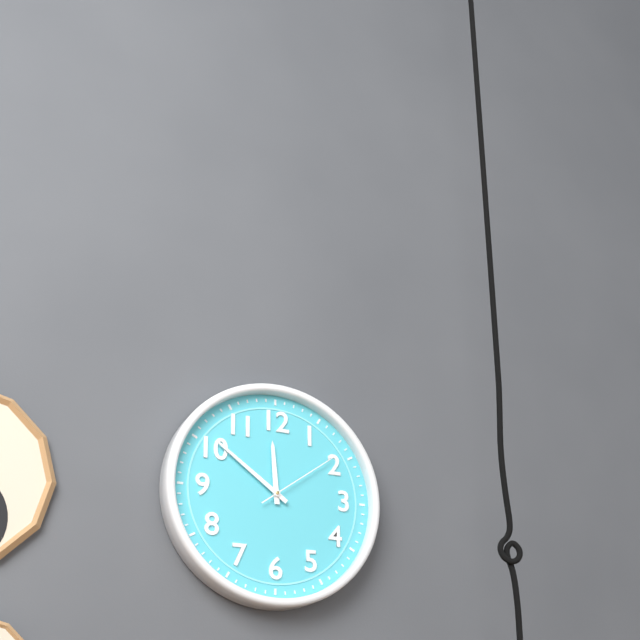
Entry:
h=11 m=51 s=9
